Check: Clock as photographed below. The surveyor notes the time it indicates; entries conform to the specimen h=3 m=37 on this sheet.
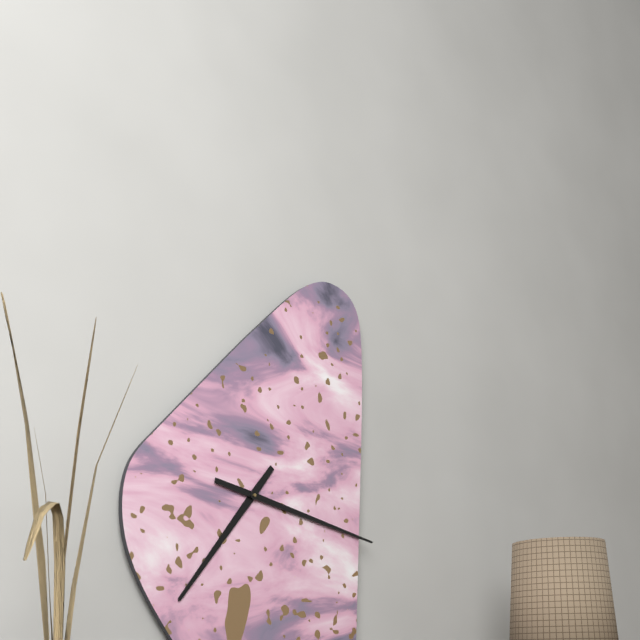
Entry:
h=7 m=17
